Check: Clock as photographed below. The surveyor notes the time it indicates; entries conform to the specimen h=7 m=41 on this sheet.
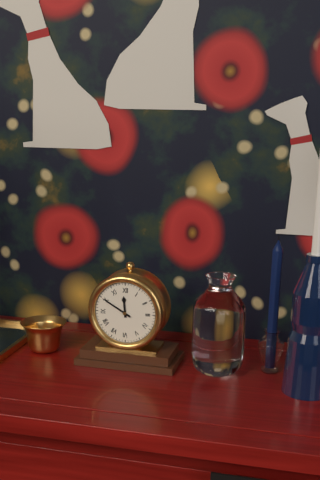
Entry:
h=11 m=50
